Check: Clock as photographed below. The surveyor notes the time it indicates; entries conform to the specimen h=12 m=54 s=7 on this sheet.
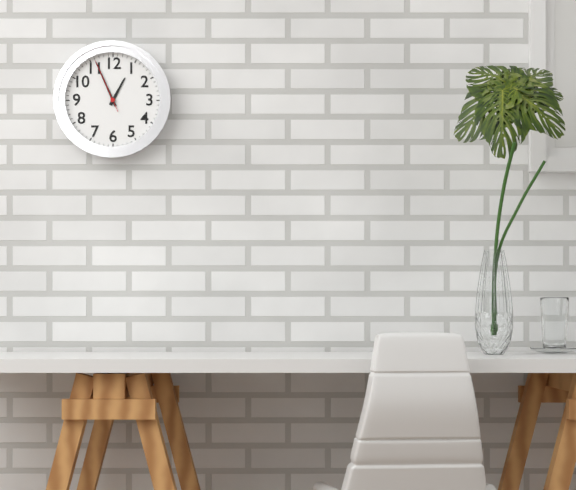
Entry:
h=12 m=56 s=56
